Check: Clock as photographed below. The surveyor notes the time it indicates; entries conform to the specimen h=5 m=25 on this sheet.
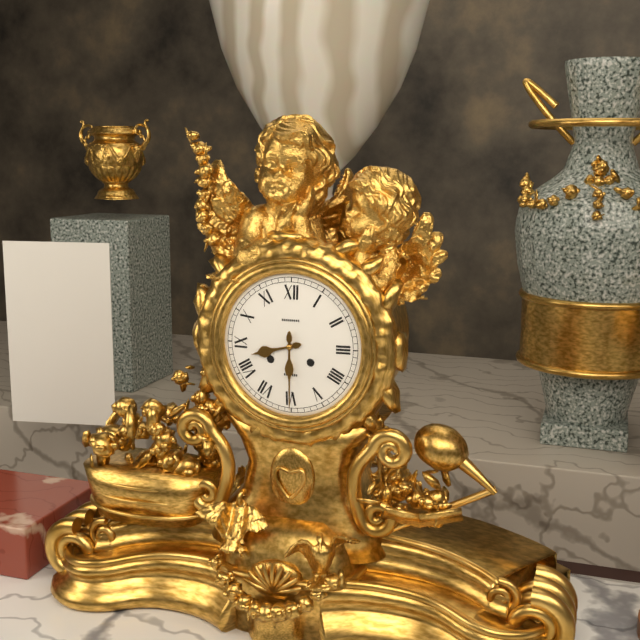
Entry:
h=8 m=30
